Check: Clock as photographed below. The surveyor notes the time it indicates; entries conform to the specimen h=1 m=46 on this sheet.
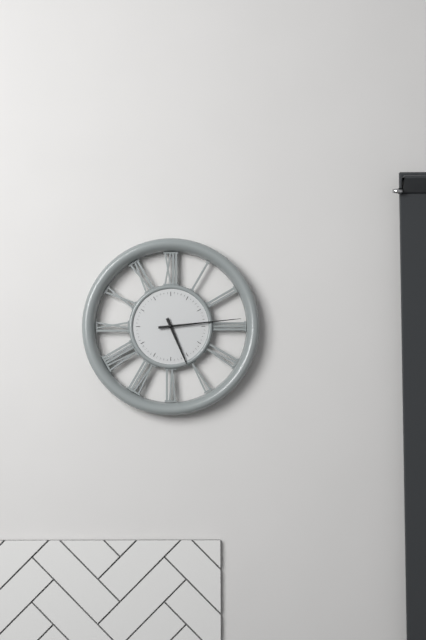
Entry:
h=5 m=14
